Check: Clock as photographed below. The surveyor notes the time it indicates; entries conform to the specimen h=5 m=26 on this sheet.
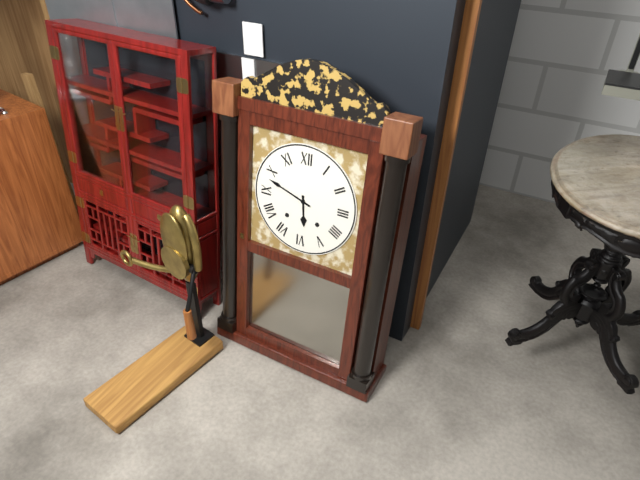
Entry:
h=5 m=48
